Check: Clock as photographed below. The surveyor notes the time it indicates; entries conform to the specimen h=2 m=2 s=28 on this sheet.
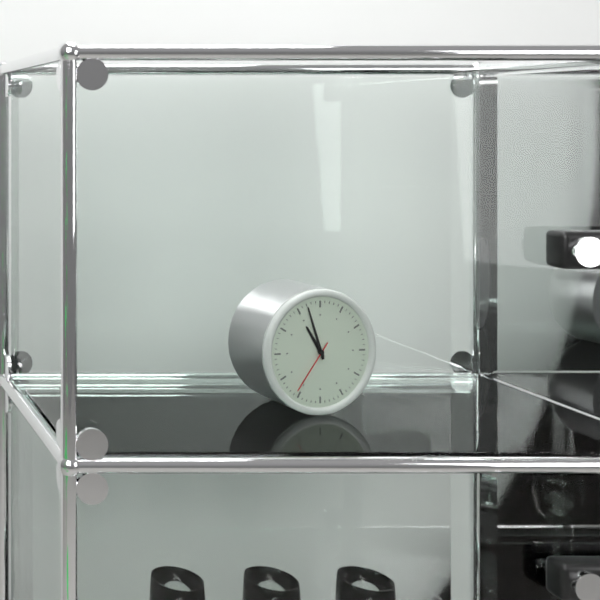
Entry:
h=10 m=57 s=36
